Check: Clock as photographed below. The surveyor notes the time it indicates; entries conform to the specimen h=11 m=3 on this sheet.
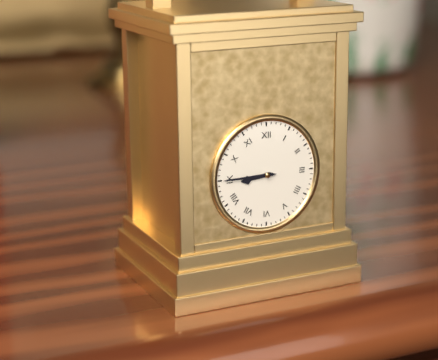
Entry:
h=8 m=45
